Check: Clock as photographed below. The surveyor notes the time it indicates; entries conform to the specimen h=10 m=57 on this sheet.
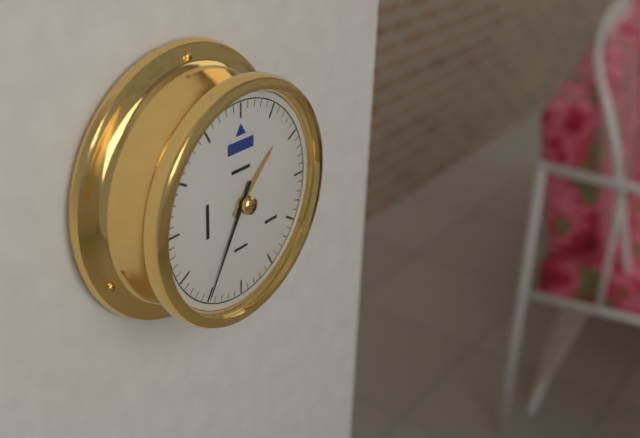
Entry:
h=1 m=35
